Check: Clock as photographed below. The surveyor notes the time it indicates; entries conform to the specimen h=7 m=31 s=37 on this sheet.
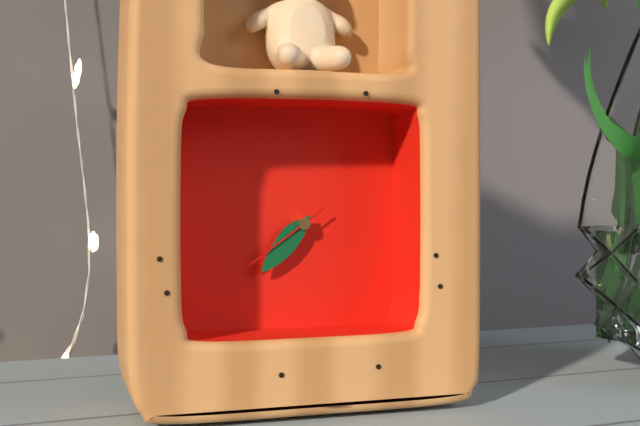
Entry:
h=7 m=37 s=39
